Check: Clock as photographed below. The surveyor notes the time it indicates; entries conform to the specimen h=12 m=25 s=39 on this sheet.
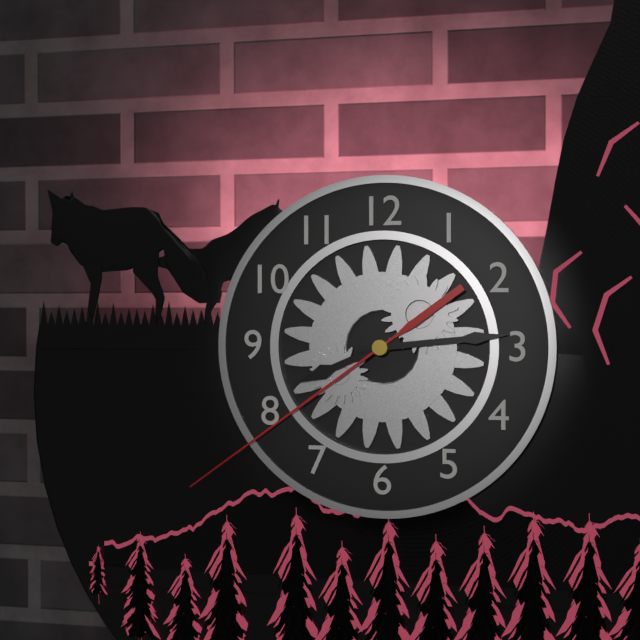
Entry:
h=8 m=14 s=39
